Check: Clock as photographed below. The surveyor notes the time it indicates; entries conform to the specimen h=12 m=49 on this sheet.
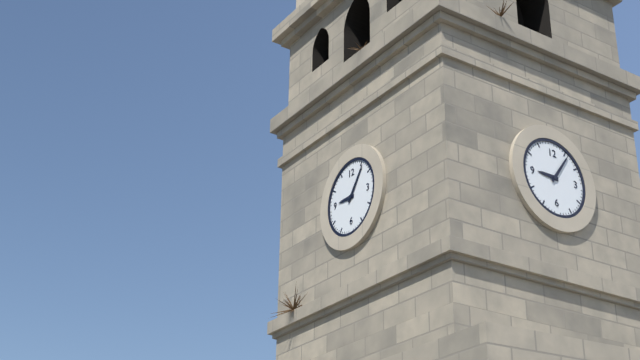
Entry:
h=9 m=6
